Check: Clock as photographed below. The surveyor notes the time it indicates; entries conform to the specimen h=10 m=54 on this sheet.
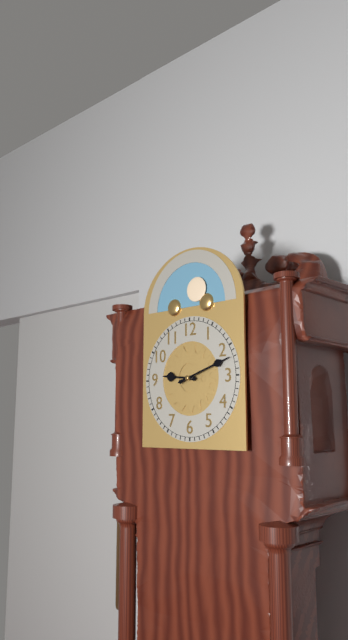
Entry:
h=9 m=12
